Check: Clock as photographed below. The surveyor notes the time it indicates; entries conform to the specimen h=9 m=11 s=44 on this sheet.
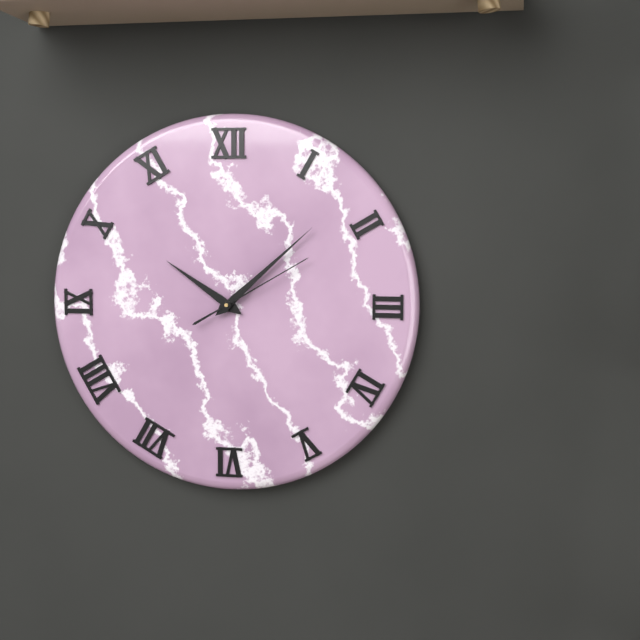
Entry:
h=10 m=8 s=10
